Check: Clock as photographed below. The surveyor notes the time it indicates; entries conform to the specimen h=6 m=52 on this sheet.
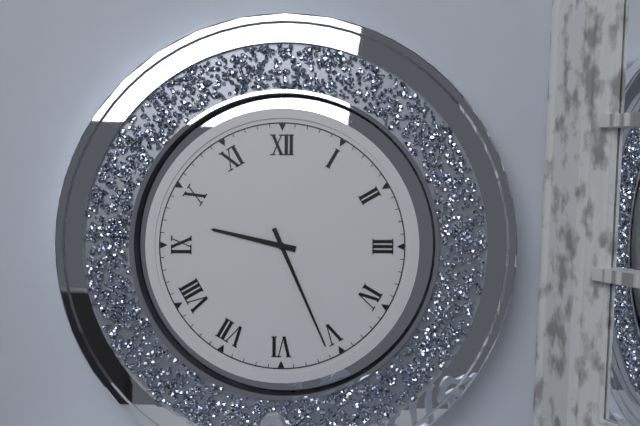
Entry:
h=9 m=26
